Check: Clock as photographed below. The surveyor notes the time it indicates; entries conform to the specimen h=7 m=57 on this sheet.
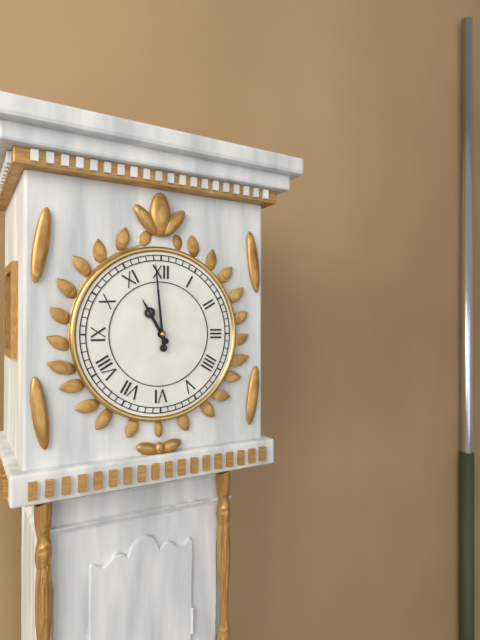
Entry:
h=10 m=59
